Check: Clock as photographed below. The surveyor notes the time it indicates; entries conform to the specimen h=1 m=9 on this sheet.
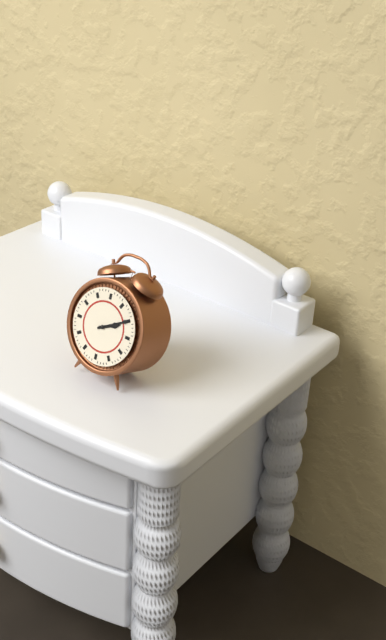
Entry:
h=2 m=10
